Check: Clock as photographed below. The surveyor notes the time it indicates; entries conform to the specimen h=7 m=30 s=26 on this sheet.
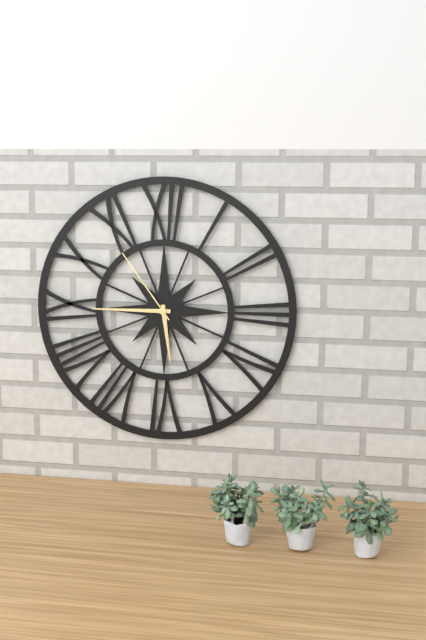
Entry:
h=5 m=45 s=54
